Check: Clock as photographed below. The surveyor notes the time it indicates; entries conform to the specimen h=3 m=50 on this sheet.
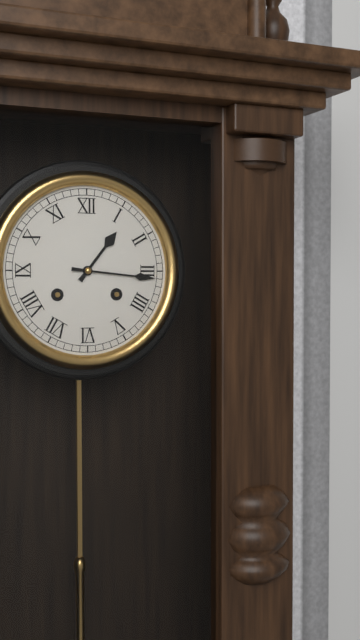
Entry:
h=1 m=16
